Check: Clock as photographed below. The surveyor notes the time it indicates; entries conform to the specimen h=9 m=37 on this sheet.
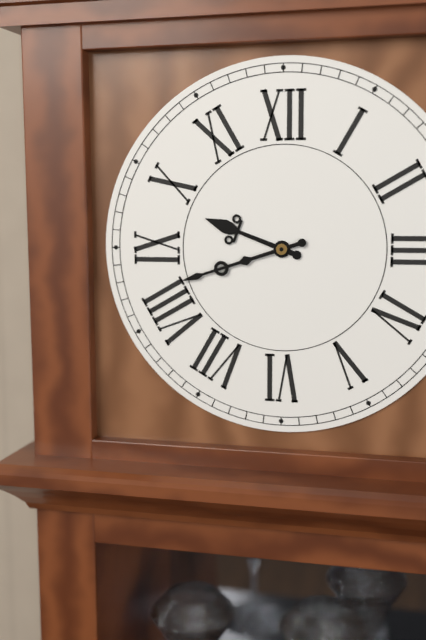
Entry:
h=9 m=42
